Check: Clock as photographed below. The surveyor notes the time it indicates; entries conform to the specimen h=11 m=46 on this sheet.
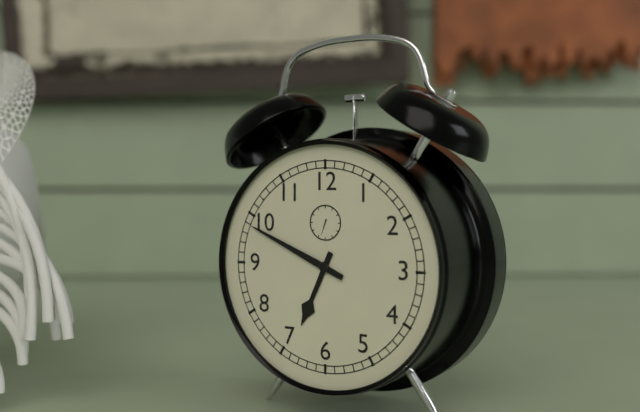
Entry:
h=6 m=49
